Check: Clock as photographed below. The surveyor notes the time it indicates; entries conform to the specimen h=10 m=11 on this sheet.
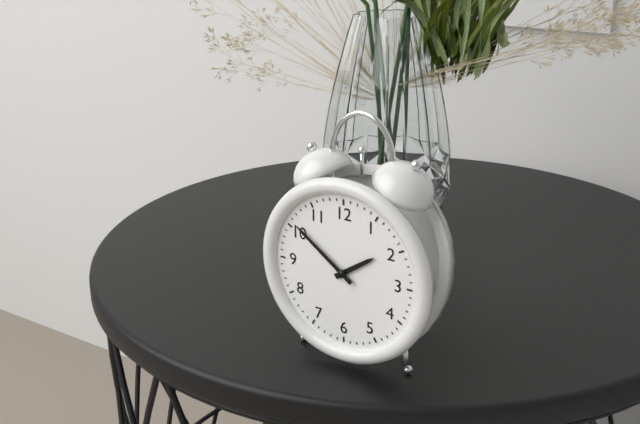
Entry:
h=1 m=51
